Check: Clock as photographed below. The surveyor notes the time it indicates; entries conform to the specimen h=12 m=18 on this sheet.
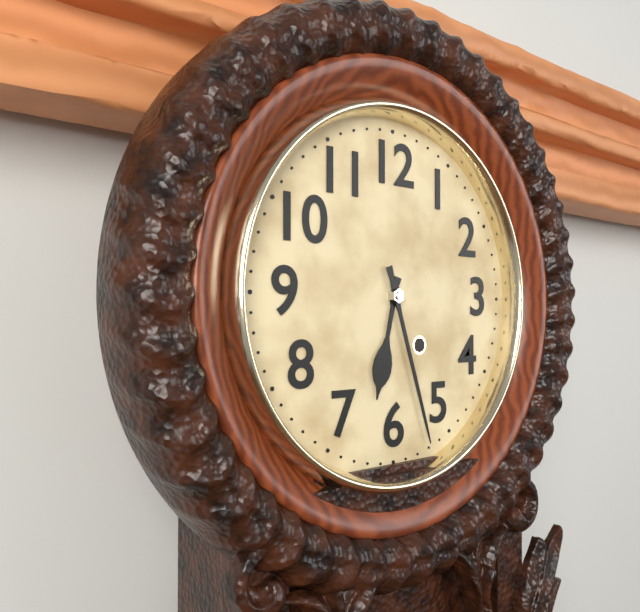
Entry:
h=6 m=27
